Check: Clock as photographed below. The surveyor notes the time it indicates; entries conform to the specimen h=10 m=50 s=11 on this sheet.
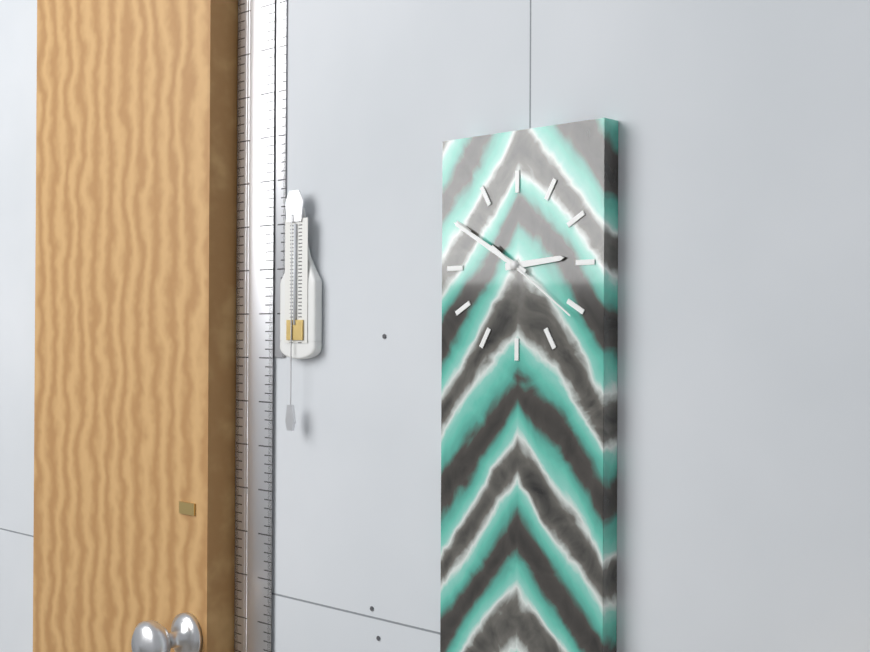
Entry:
h=2 m=50 s=21
